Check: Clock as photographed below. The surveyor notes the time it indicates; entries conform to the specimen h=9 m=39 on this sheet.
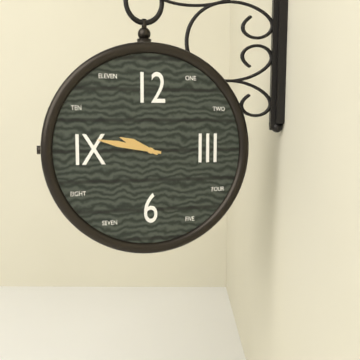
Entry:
h=9 m=47
